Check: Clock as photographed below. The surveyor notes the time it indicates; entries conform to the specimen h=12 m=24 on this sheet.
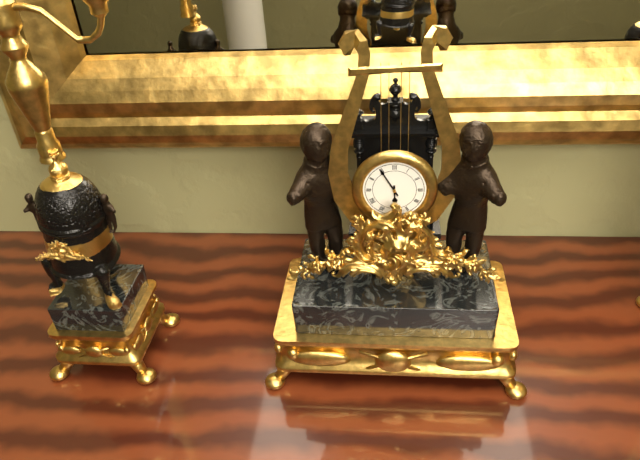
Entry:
h=5 m=55
